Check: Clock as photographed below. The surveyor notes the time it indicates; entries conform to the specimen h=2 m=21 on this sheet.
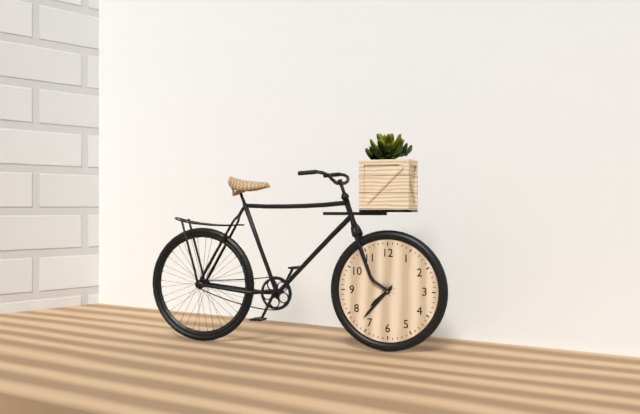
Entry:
h=7 m=37
